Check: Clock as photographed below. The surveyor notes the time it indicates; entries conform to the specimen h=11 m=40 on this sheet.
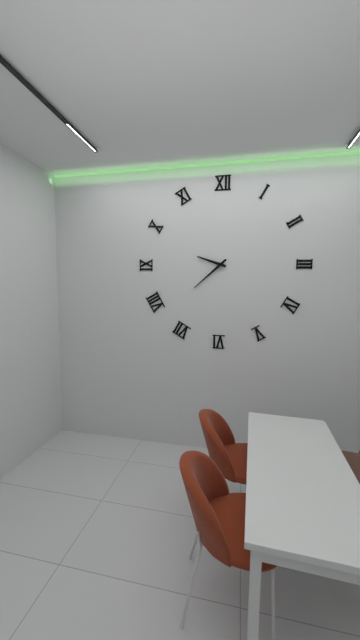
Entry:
h=9 m=38
